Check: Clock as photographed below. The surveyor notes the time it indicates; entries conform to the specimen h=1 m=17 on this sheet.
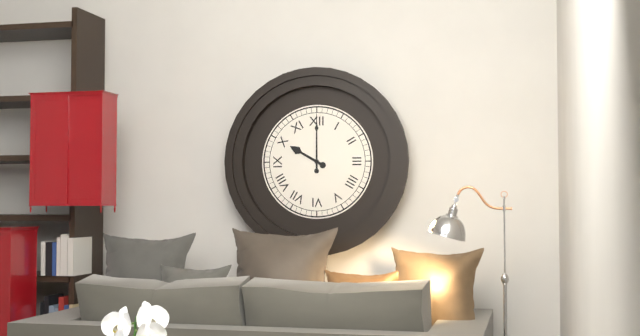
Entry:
h=10 m=0
